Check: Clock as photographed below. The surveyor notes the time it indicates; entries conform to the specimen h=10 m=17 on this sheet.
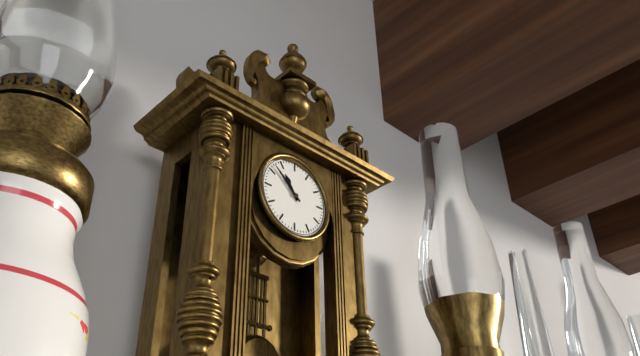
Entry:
h=10 m=52
